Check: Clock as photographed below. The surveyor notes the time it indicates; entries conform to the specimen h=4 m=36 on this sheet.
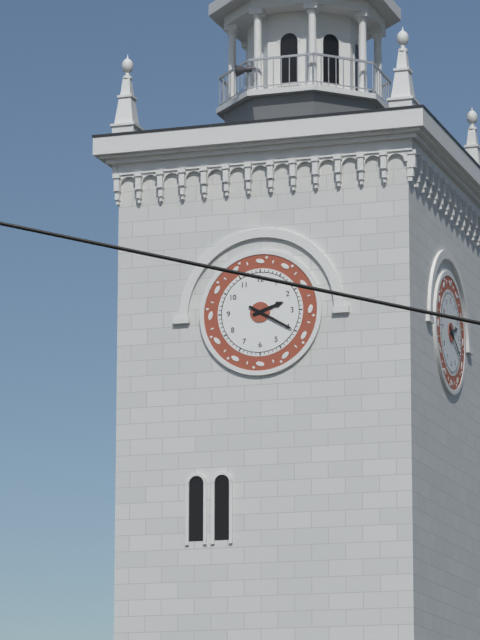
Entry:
h=2 m=20
